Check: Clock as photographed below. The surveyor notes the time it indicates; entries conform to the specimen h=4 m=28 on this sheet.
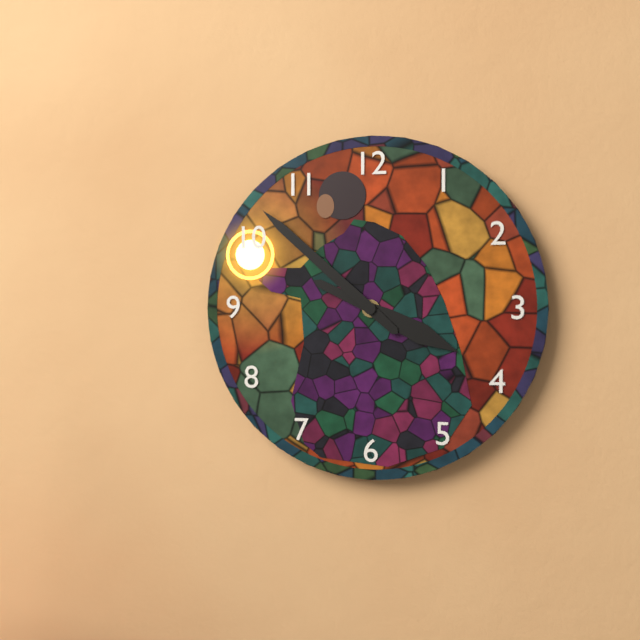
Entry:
h=3 m=52
